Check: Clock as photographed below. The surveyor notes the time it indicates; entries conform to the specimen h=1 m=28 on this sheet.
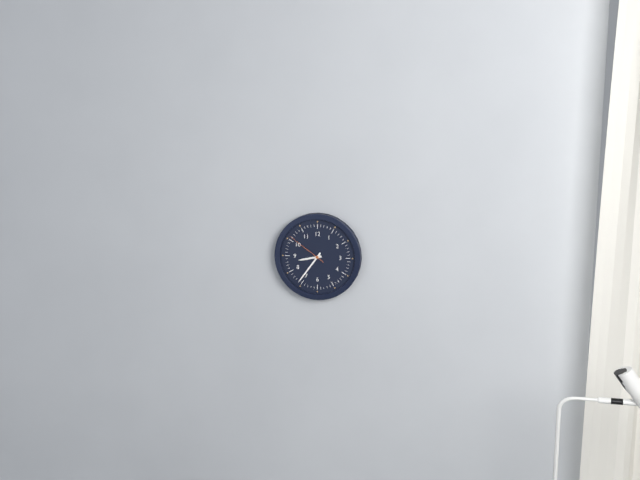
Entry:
h=8 m=36
